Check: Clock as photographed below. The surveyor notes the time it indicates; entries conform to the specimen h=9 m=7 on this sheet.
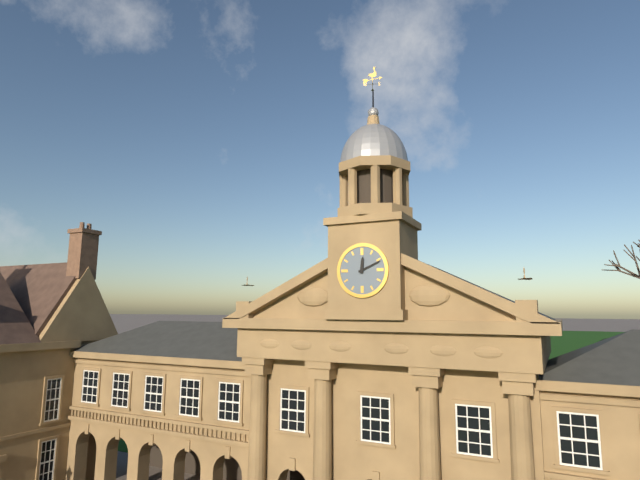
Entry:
h=12 m=11
